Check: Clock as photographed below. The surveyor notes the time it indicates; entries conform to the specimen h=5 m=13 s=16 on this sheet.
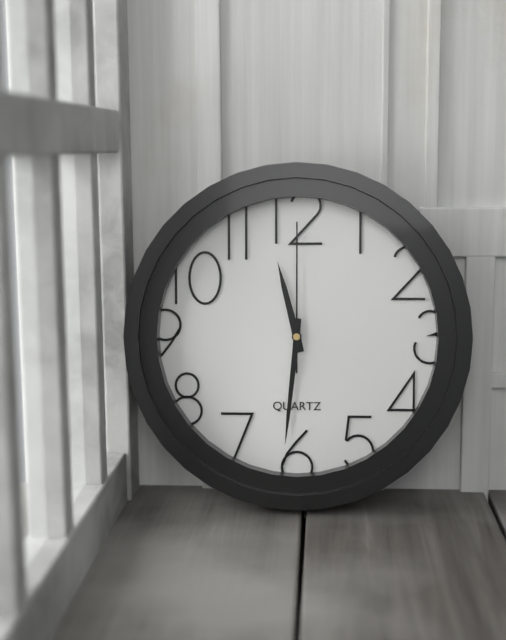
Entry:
h=11 m=31 s=0
